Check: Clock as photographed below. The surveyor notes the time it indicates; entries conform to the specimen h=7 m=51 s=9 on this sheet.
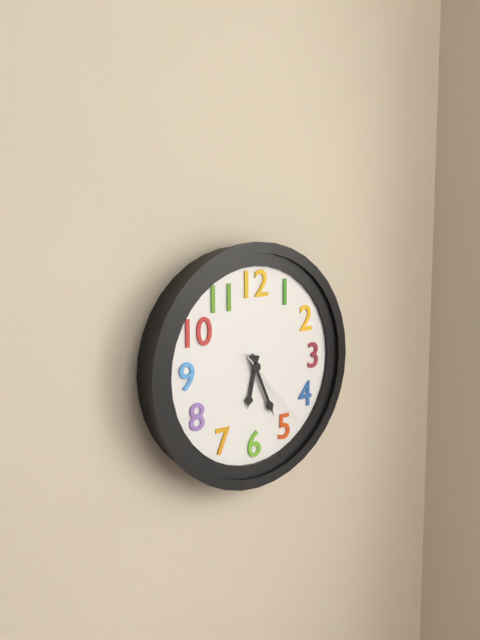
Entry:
h=6 m=26 s=23
